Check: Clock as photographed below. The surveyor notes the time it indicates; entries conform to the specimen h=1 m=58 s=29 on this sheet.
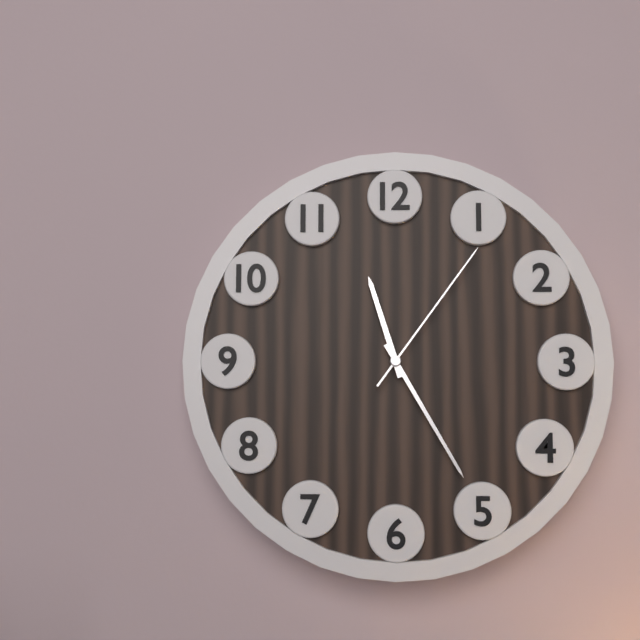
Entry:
h=11 m=25 s=6
